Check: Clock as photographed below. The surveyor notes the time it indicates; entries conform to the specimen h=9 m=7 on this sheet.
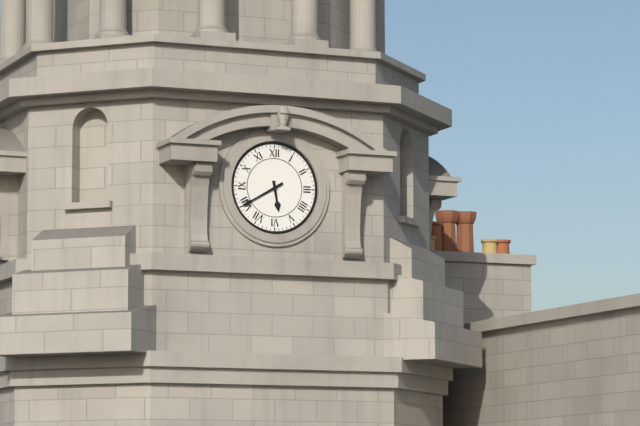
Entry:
h=5 m=40
